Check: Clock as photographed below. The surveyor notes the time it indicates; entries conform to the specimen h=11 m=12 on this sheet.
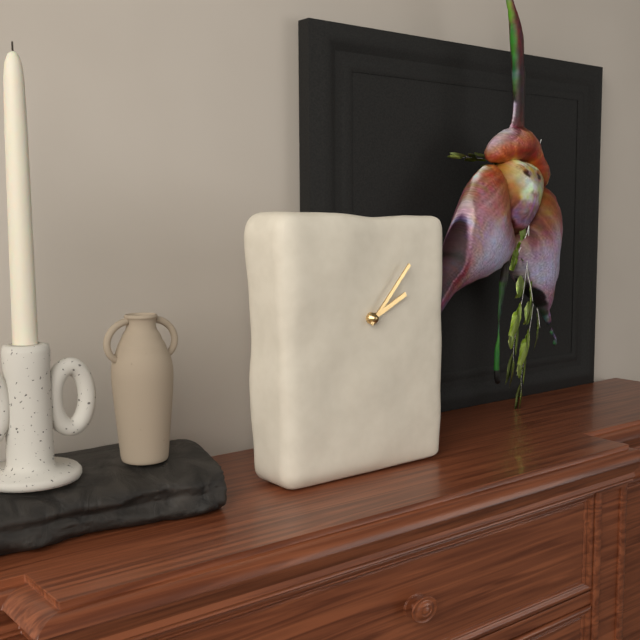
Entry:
h=2 m=7
